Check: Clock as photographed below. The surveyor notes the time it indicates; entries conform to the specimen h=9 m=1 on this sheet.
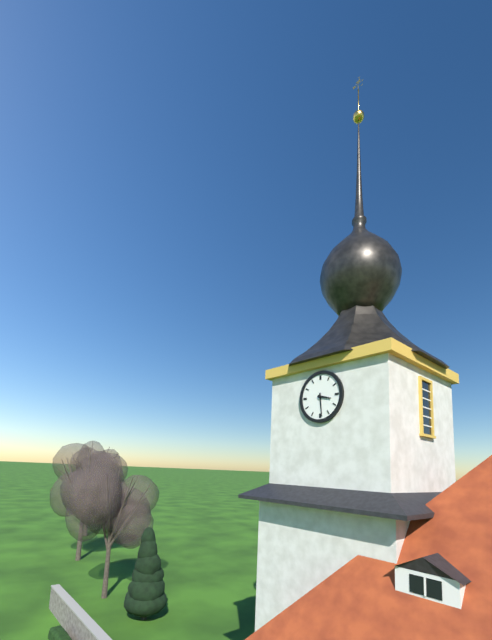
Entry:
h=3 m=29
